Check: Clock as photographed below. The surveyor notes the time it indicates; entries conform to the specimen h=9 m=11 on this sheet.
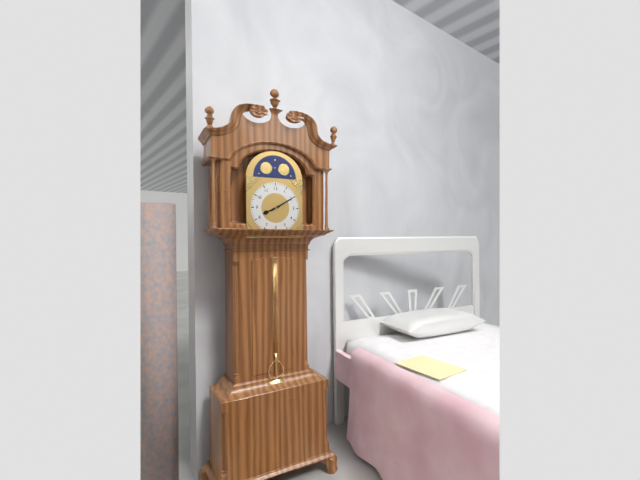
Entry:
h=8 m=10
